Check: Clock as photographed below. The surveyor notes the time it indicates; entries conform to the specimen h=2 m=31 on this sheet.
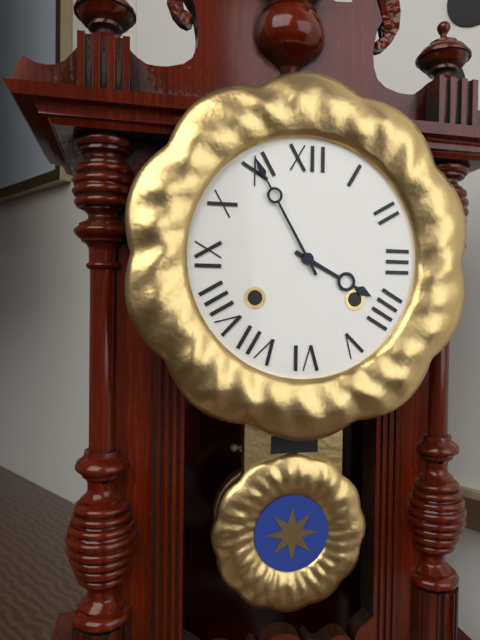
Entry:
h=3 m=55
